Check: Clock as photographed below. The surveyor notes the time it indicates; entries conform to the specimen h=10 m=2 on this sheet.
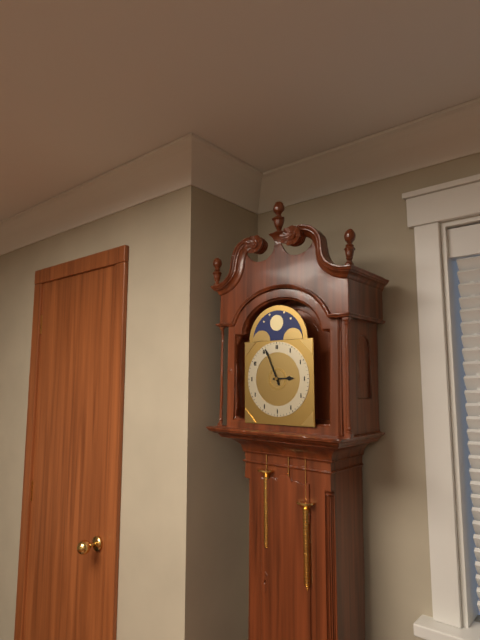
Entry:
h=2 m=56
